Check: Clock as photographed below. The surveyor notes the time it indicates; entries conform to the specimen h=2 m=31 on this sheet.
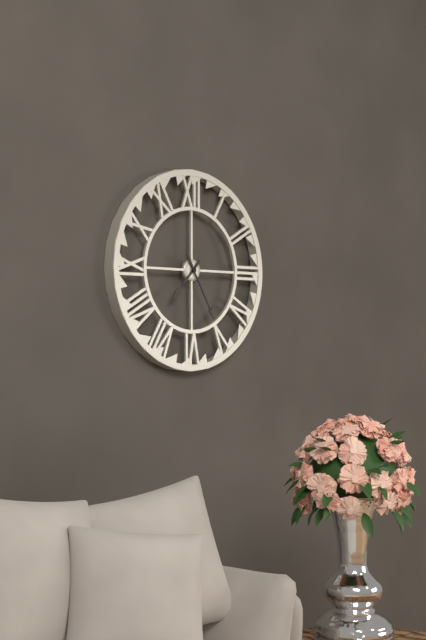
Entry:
h=7 m=25
